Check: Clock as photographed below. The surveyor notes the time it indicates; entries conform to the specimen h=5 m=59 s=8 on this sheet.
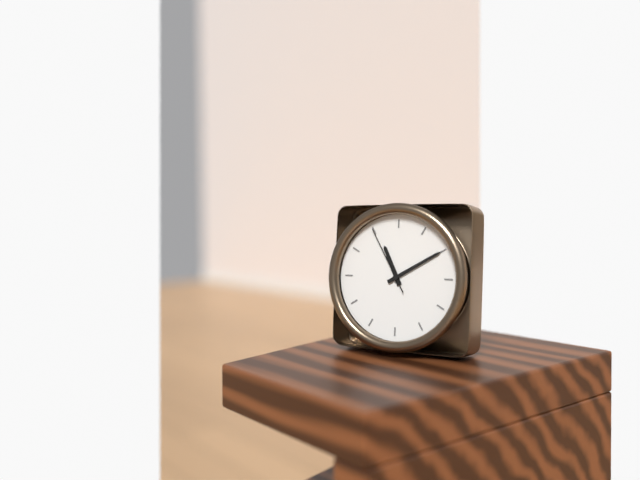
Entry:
h=11 m=10 s=55
